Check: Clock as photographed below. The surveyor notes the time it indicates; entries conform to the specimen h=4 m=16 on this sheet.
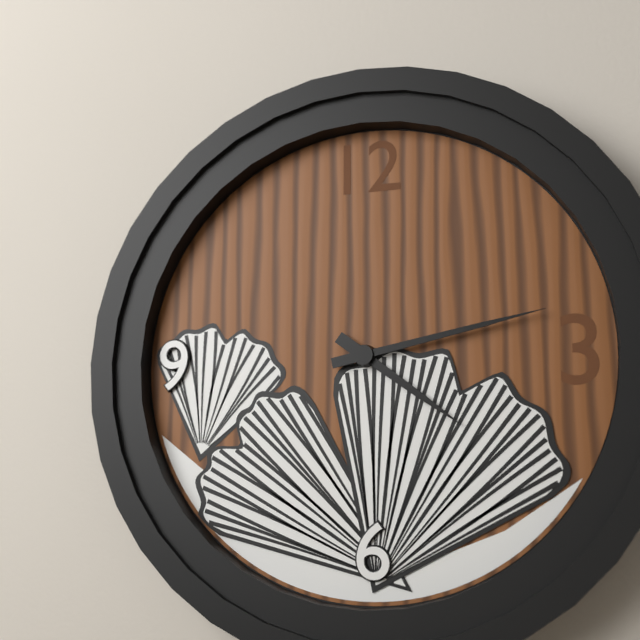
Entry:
h=4 m=13
